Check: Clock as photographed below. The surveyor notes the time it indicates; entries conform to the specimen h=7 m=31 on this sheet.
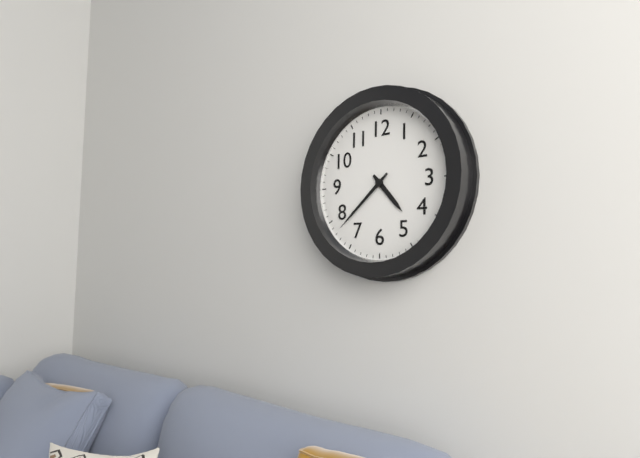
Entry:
h=4 m=38
